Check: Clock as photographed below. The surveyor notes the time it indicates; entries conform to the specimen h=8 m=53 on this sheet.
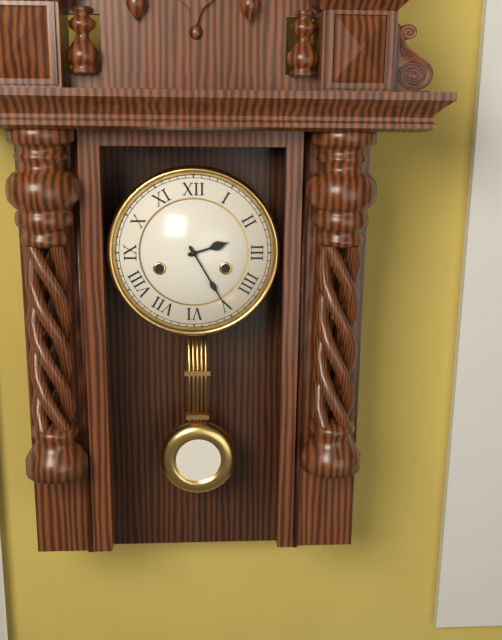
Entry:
h=2 m=25
